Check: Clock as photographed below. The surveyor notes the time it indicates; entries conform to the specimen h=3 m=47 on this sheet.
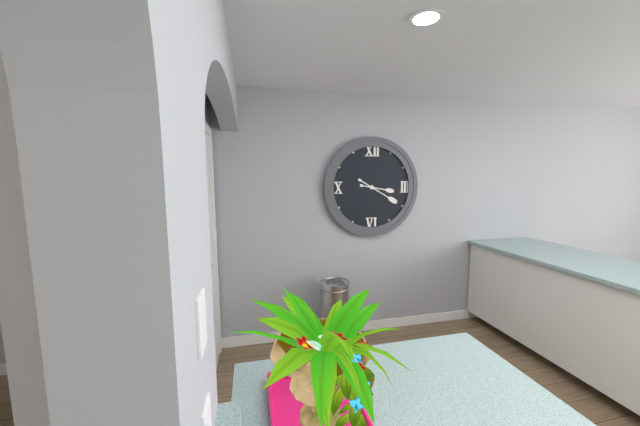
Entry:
h=3 m=20
